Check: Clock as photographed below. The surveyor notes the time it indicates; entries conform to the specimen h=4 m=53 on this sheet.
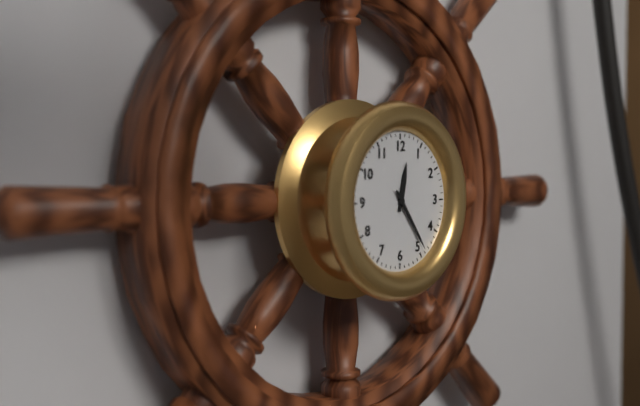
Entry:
h=12 m=24
